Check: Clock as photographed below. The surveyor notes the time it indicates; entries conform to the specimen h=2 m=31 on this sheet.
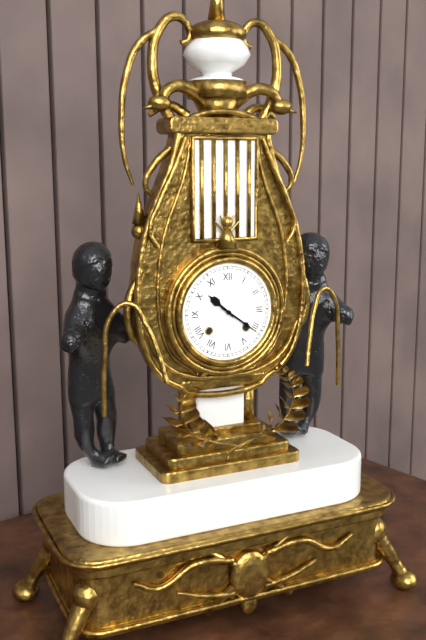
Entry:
h=10 m=21
